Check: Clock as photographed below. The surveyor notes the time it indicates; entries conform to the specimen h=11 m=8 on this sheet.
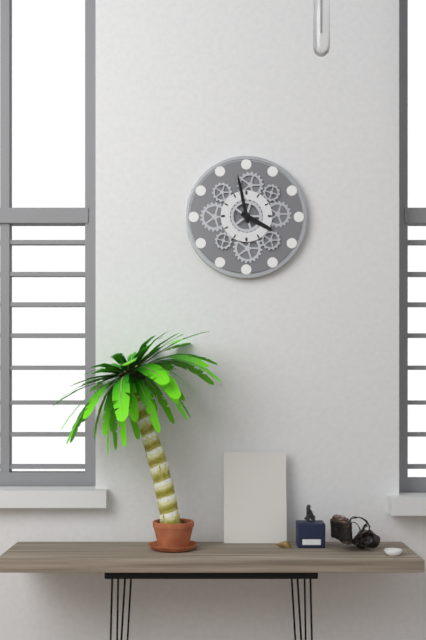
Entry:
h=3 m=58
